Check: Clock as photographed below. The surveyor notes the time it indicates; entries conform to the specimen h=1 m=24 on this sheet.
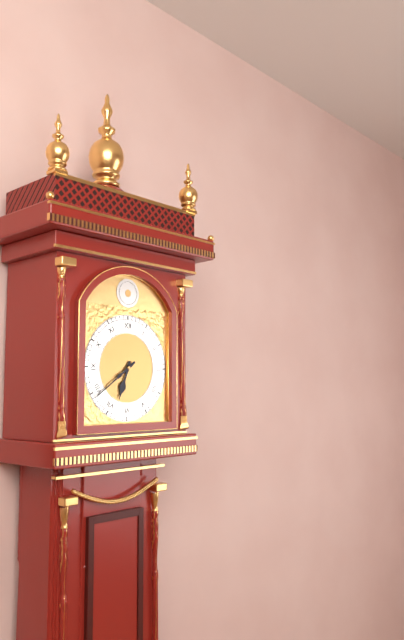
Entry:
h=6 m=39
